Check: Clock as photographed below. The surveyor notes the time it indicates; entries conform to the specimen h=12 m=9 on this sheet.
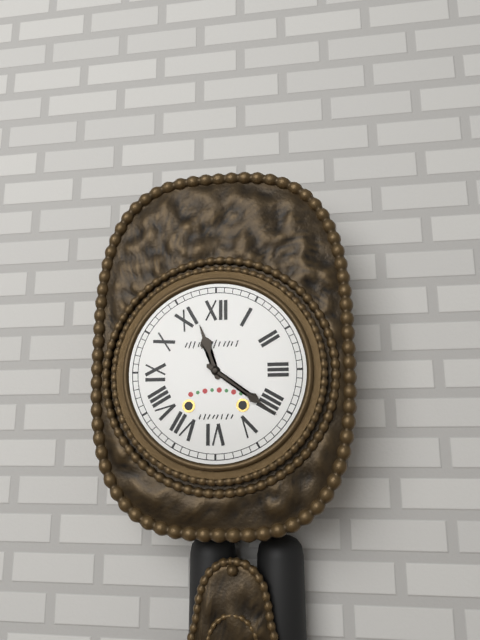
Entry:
h=11 m=21
